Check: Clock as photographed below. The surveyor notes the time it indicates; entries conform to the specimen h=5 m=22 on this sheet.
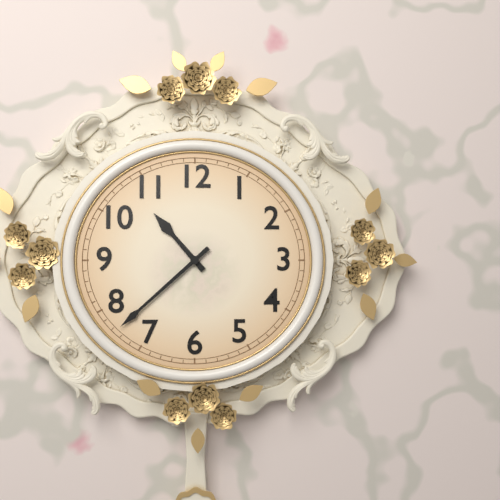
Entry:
h=10 m=38
